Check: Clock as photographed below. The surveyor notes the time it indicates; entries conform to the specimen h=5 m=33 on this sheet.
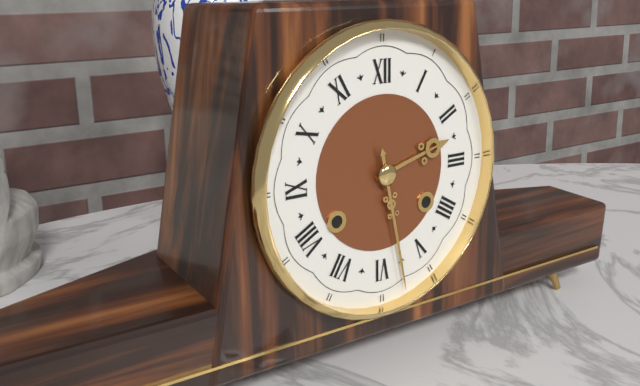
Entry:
h=2 m=28
